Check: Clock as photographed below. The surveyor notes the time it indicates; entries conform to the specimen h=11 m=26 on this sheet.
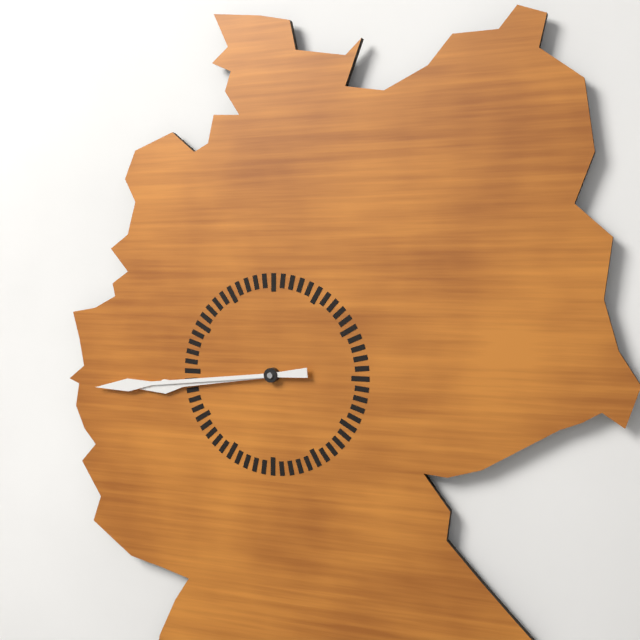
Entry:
h=8 m=44
